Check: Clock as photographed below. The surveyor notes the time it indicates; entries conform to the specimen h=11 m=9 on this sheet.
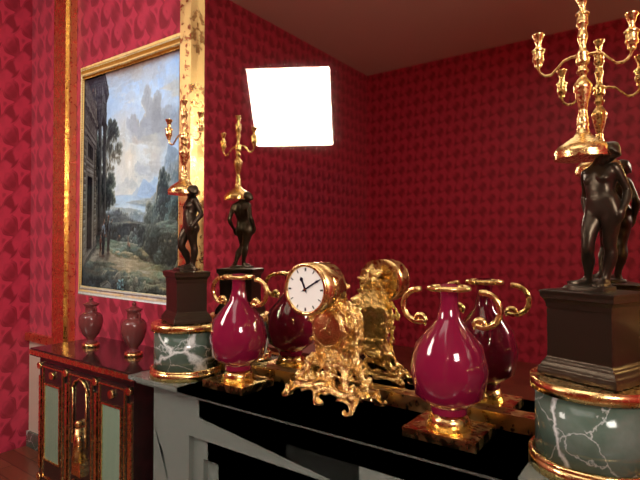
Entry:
h=11 m=10
